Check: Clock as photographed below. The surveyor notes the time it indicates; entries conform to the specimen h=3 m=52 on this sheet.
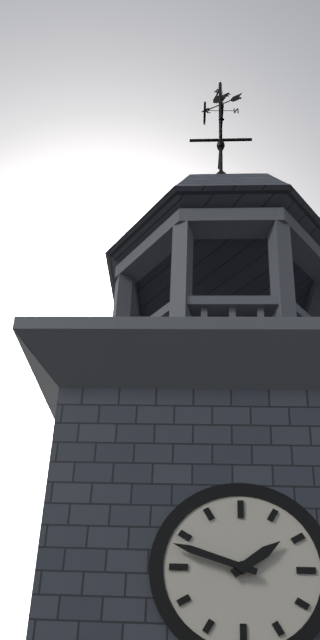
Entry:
h=1 m=48
